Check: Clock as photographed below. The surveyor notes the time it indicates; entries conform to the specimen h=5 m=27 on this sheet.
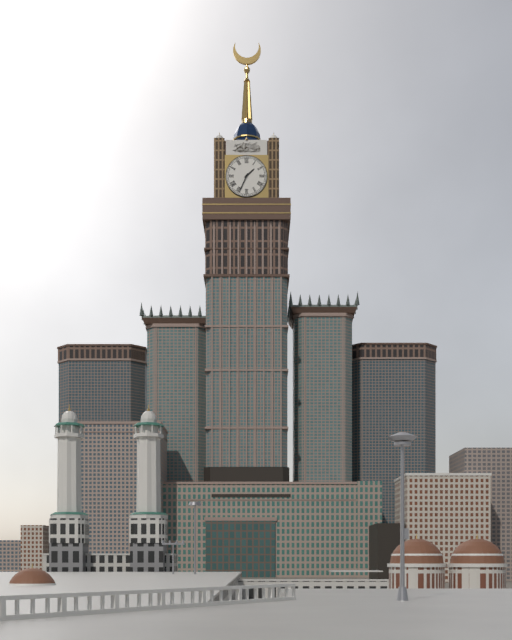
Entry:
h=1 m=34
